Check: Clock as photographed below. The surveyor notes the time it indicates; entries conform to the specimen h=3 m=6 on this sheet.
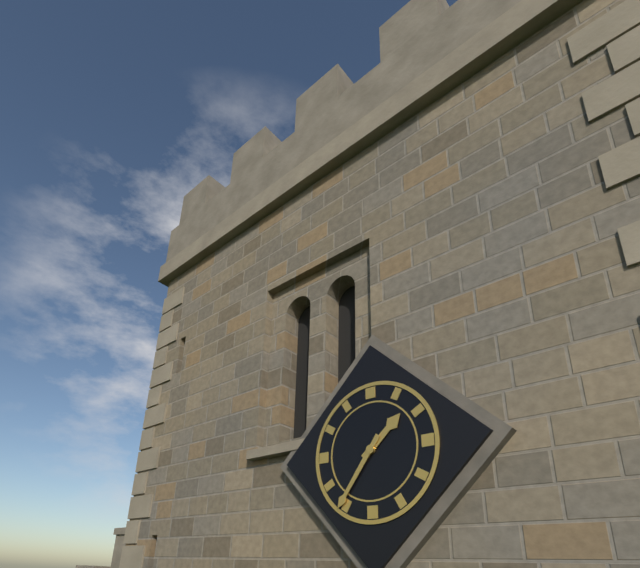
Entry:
h=1 m=36
